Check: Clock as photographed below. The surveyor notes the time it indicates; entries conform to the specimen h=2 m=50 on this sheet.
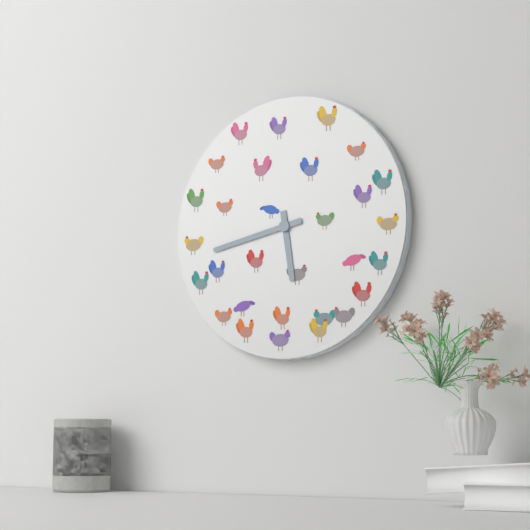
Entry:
h=5 m=43
